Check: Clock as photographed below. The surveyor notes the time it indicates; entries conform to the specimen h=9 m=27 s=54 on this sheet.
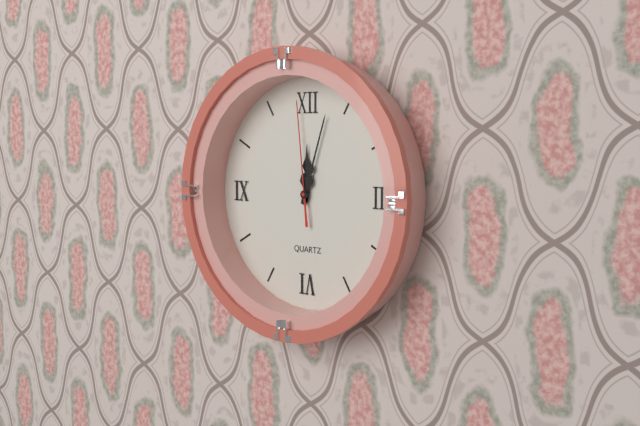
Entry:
h=12 m=3 s=59
